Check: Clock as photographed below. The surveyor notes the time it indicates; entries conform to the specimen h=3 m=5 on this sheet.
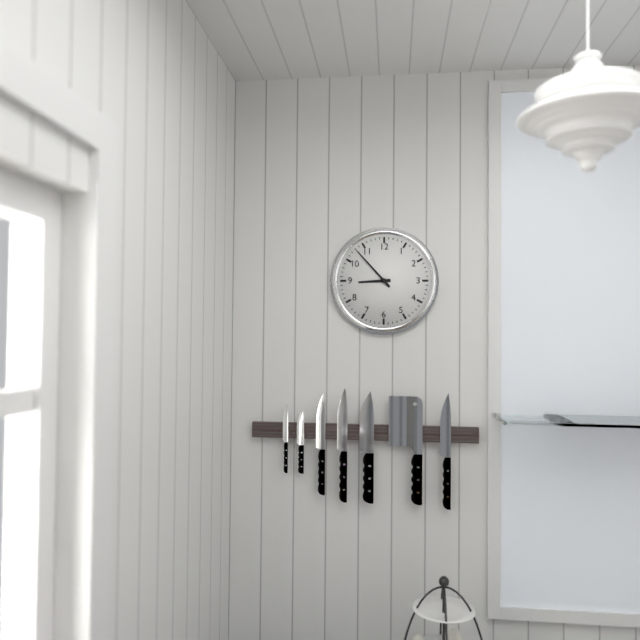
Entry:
h=8 m=53
